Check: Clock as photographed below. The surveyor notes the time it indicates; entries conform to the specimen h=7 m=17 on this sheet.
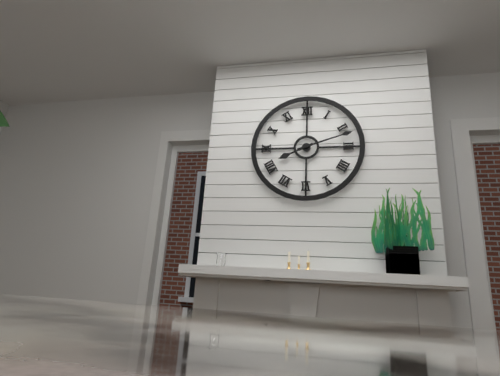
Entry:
h=8 m=12
